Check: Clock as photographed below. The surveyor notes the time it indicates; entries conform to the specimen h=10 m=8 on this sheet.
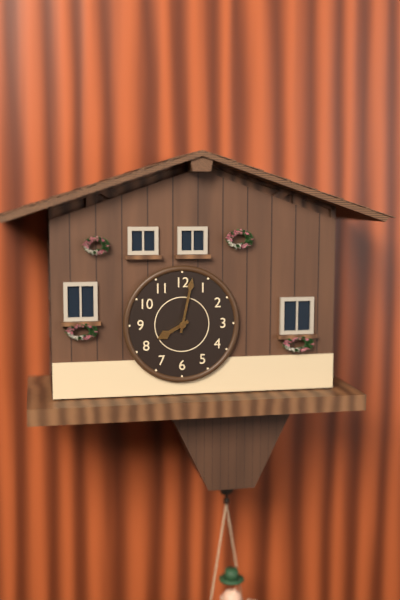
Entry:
h=8 m=2
